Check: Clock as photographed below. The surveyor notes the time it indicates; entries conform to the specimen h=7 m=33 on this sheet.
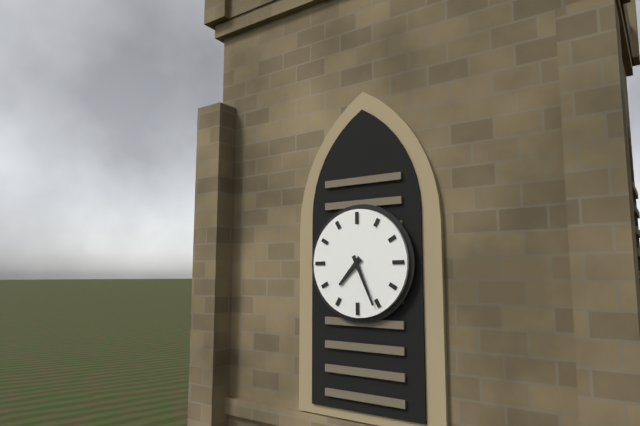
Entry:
h=7 m=26
